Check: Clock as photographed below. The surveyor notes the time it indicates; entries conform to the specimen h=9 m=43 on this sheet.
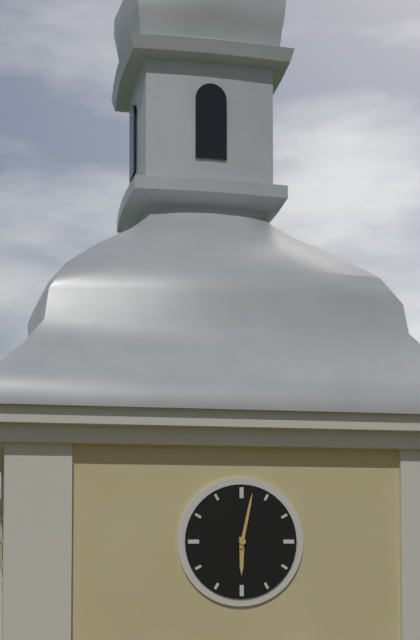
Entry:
h=6 m=2
